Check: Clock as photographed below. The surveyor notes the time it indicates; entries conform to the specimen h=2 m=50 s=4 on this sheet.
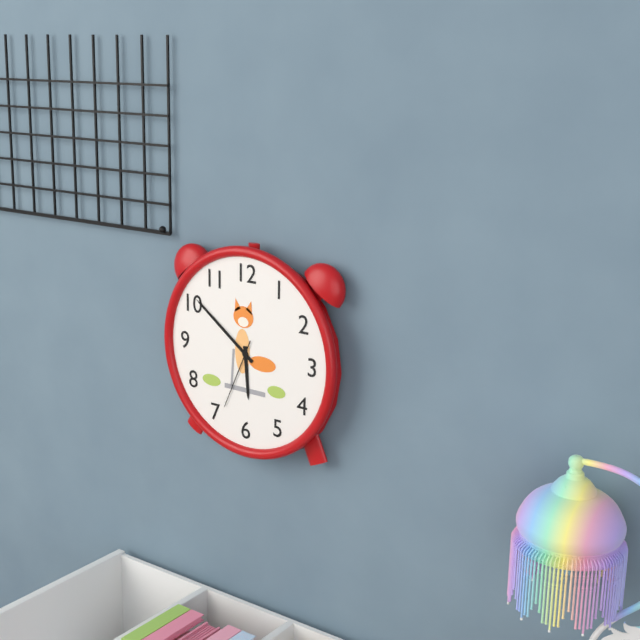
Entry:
h=5 m=51 s=34
